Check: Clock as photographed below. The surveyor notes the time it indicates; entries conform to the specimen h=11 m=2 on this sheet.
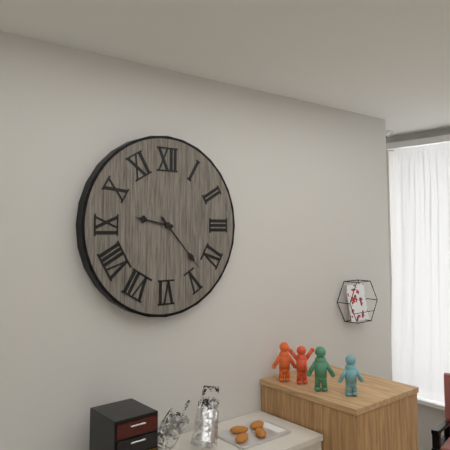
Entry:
h=9 m=23
